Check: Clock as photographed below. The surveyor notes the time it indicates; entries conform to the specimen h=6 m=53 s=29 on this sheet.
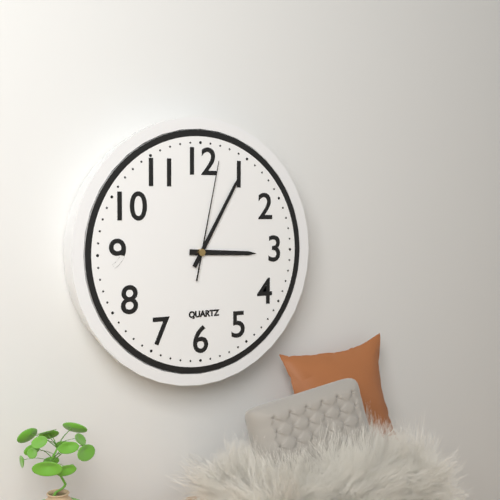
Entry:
h=3 m=5 s=2
